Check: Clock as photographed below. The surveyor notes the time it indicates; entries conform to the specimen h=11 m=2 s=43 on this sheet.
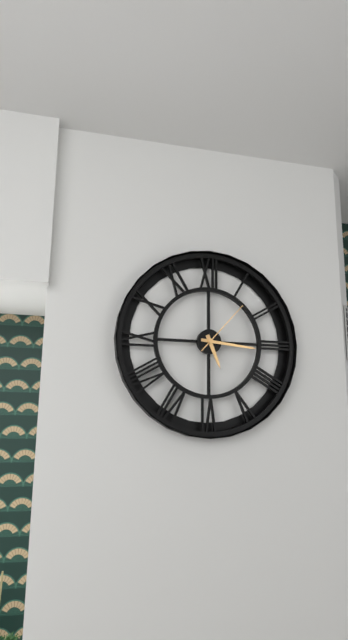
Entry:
h=5 m=16 s=7
